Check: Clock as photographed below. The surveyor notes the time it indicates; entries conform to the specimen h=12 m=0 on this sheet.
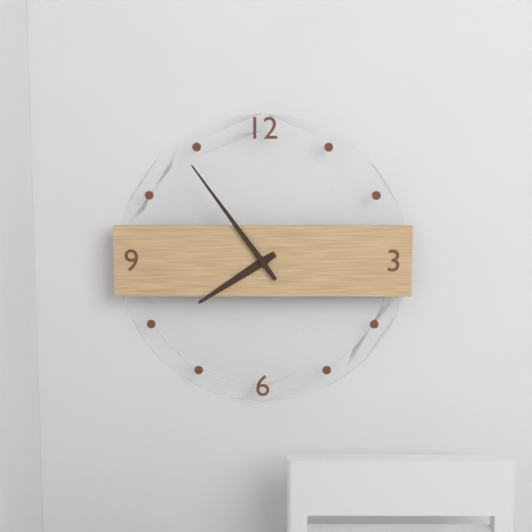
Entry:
h=7 m=54
